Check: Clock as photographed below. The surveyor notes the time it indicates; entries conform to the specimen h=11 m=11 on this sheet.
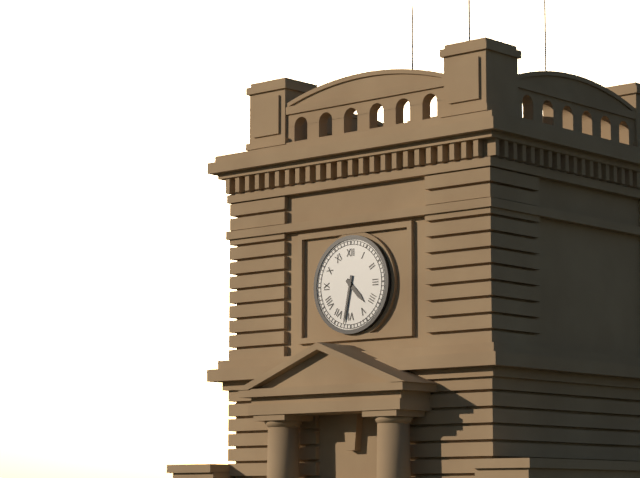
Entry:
h=4 m=32
